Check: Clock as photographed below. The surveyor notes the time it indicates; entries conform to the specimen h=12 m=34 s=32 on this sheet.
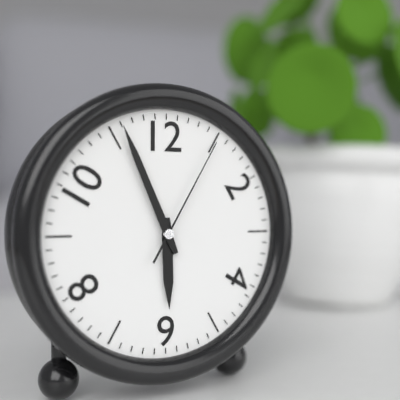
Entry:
h=5 m=56 s=5
